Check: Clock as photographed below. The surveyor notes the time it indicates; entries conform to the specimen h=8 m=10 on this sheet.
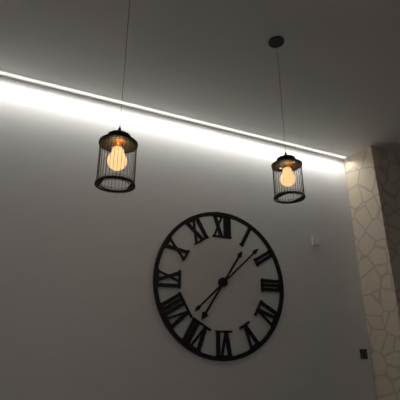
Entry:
h=7 m=8
